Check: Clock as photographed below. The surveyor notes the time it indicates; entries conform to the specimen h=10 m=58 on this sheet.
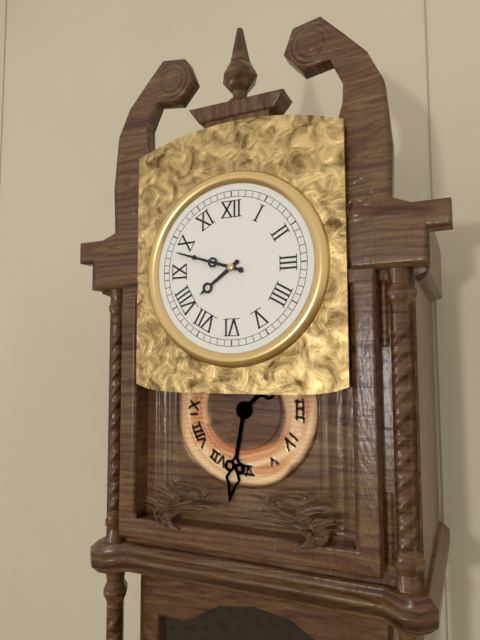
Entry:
h=7 m=48
